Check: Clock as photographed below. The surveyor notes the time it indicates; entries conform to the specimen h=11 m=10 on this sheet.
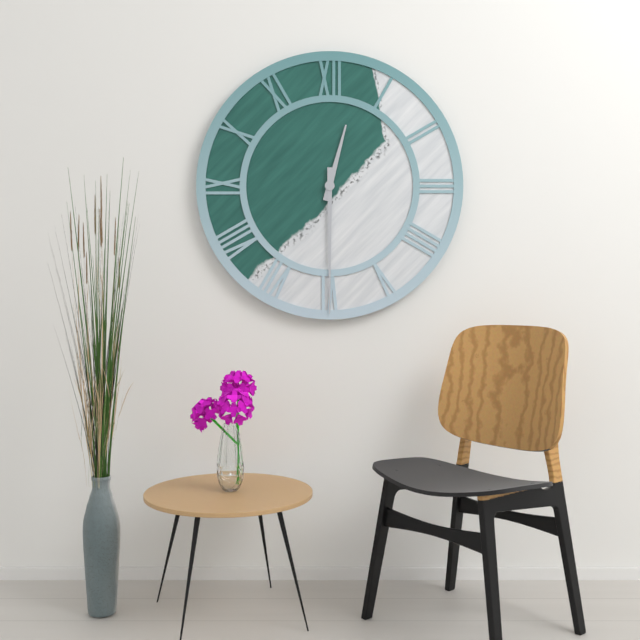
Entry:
h=12 m=30
